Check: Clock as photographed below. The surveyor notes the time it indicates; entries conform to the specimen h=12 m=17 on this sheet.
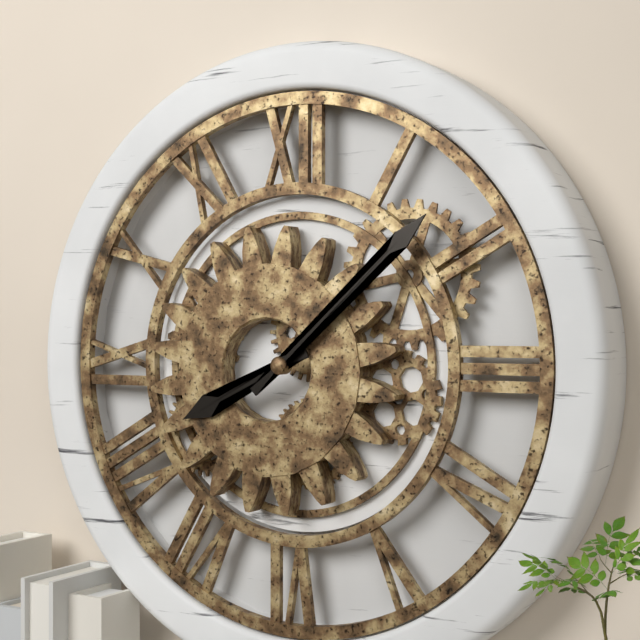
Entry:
h=8 m=8
